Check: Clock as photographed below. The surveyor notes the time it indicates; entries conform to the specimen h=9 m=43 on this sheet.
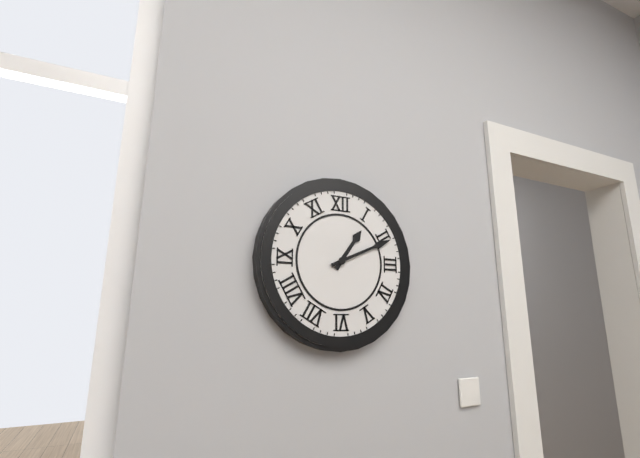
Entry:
h=1 m=11
